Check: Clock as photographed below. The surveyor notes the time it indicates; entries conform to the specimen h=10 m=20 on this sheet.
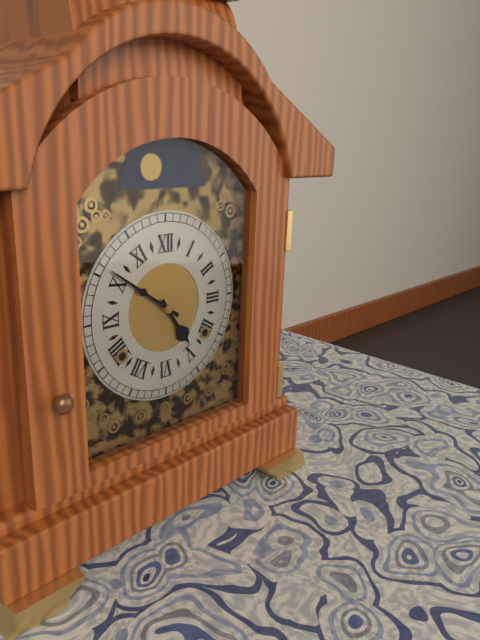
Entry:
h=4 m=51
